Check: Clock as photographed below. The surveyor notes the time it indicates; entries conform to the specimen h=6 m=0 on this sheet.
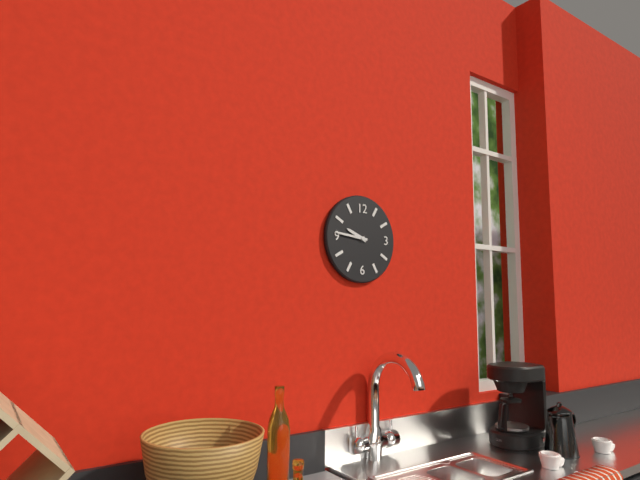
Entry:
h=9 m=46
